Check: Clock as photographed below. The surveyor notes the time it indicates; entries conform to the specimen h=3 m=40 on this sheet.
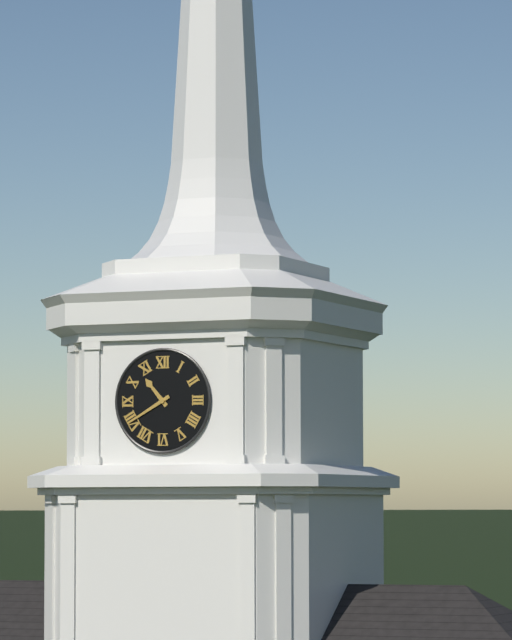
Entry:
h=10 m=40
